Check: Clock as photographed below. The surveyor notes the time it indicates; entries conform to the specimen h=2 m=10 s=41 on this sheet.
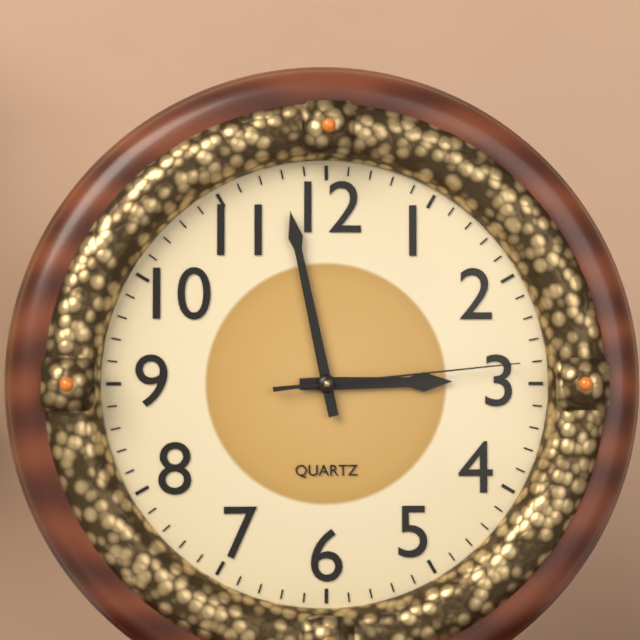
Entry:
h=2 m=58 s=14
